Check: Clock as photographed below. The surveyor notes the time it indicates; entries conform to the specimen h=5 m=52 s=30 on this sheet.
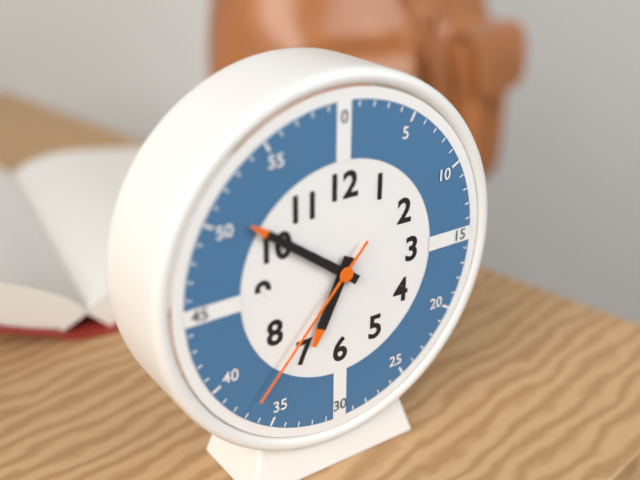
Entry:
h=6 m=51 s=37
